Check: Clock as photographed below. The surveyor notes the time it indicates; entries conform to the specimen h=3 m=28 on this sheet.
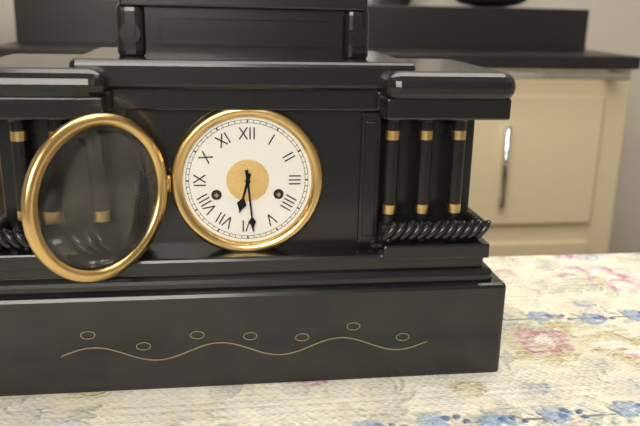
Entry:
h=6 m=29
